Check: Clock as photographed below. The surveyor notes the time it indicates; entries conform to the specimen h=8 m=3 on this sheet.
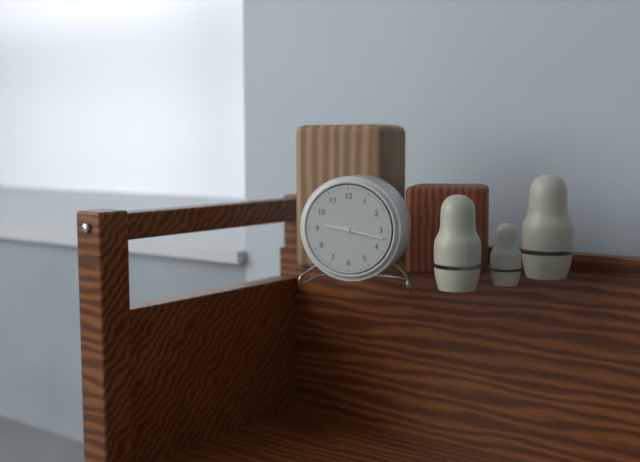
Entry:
h=9 m=17
